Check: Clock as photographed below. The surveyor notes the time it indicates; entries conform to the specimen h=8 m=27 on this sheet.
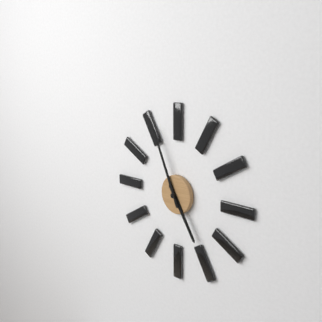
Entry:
h=4 m=56
